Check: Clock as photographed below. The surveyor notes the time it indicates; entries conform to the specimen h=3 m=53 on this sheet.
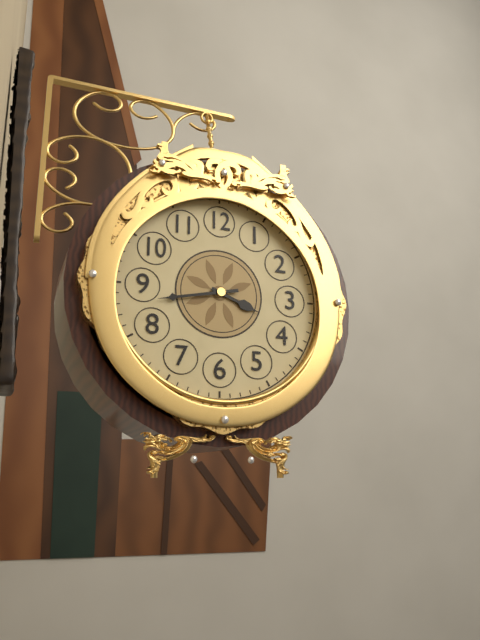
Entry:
h=3 m=43
